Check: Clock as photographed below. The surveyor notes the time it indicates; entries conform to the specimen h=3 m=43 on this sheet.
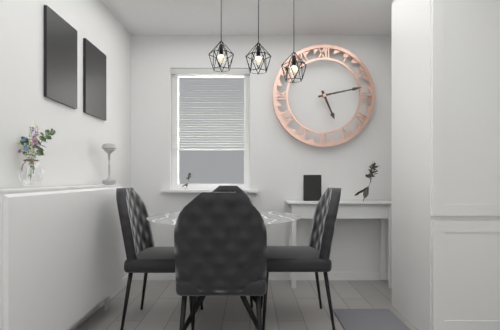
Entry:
h=5 m=13
